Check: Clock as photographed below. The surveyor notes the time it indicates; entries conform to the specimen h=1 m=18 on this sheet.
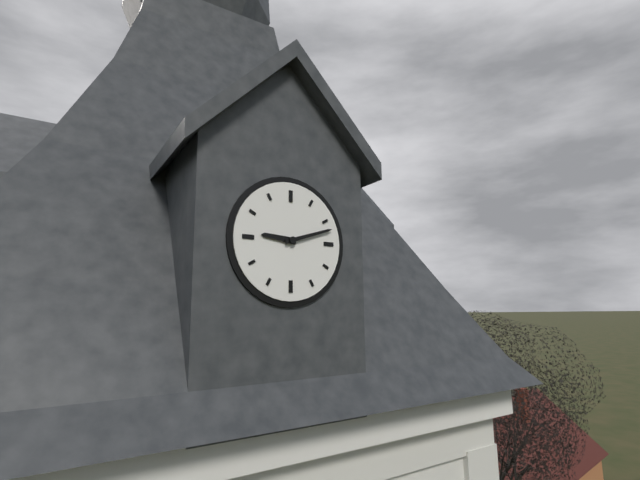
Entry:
h=9 m=12
